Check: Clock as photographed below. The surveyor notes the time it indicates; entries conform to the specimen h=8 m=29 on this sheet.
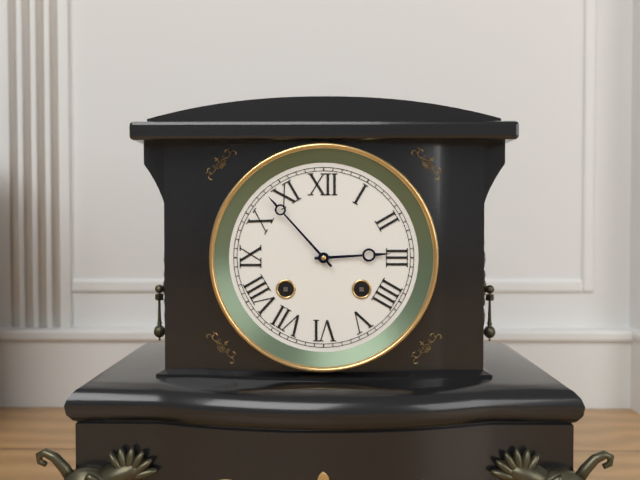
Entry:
h=2 m=53
